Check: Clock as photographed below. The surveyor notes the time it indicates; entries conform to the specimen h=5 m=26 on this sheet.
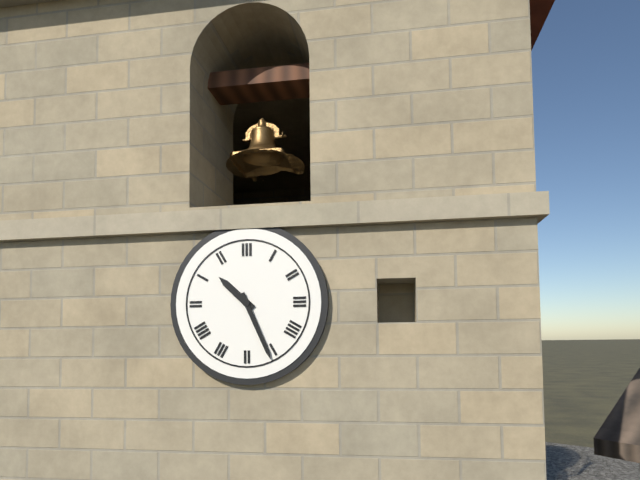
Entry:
h=10 m=26
